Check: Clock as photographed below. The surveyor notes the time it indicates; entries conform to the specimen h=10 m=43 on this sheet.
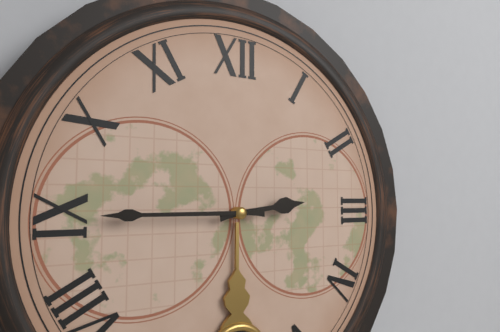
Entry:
h=2 m=45
